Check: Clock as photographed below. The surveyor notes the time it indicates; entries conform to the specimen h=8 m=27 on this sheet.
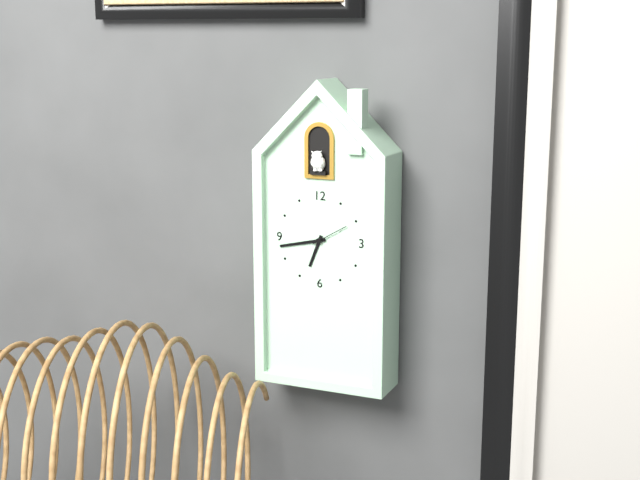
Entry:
h=6 m=43
